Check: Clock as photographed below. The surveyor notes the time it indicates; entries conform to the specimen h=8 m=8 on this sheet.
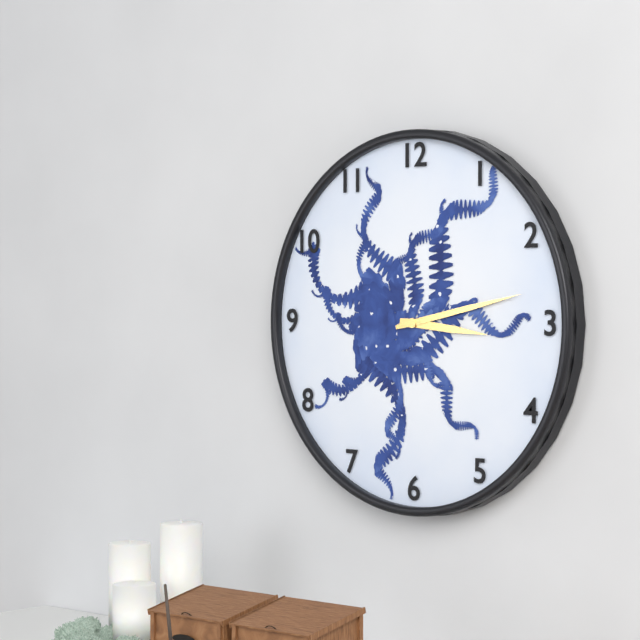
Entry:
h=3 m=13
